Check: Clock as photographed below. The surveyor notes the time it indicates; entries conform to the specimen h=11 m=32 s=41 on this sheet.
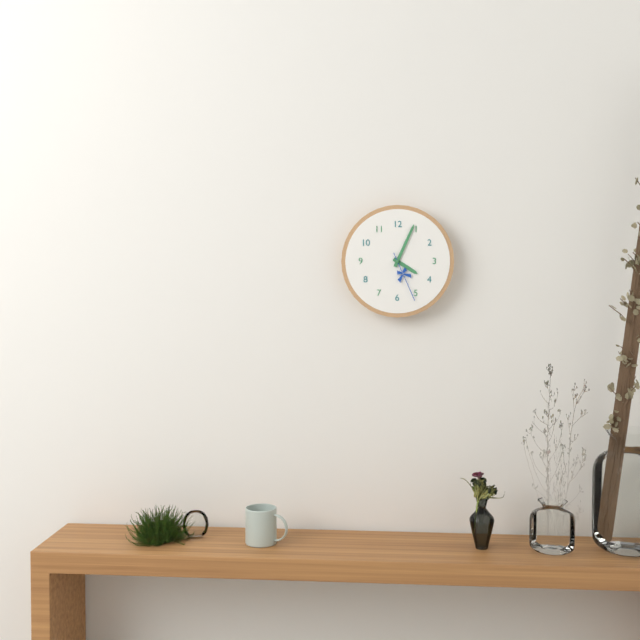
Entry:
h=4 m=4 s=26
